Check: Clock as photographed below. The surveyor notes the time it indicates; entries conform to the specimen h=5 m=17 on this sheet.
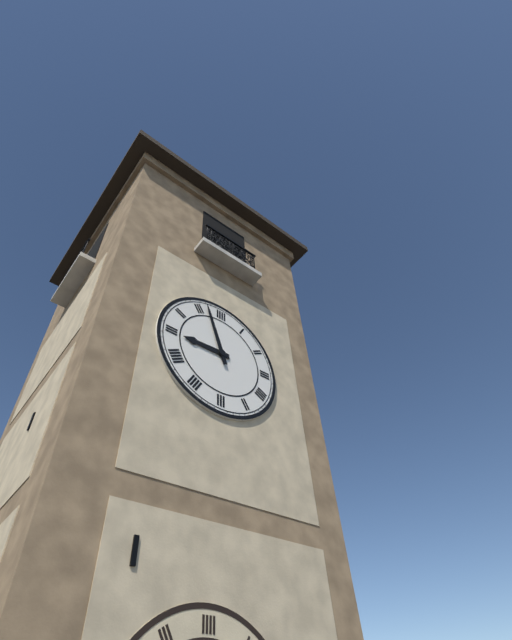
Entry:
h=8 m=57
